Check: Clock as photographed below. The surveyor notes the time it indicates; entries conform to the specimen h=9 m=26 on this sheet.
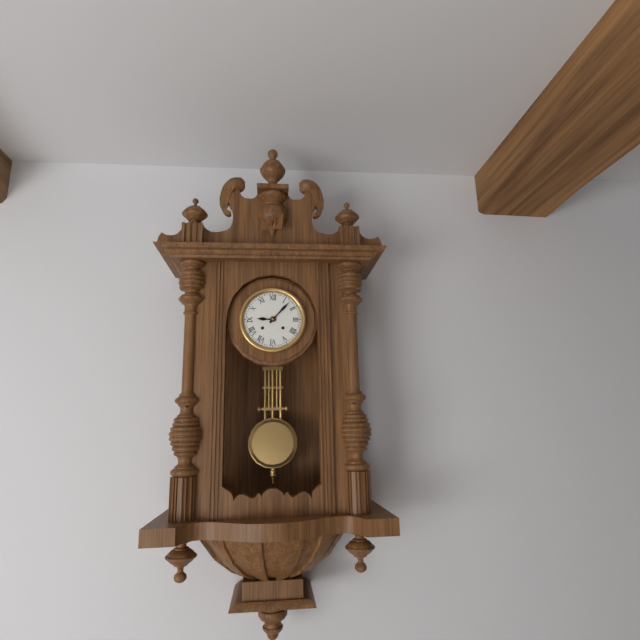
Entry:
h=9 m=7
